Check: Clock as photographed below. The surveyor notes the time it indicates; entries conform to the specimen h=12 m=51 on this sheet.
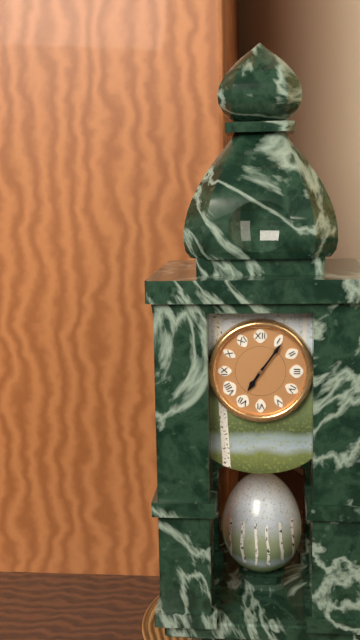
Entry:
h=7 m=6
